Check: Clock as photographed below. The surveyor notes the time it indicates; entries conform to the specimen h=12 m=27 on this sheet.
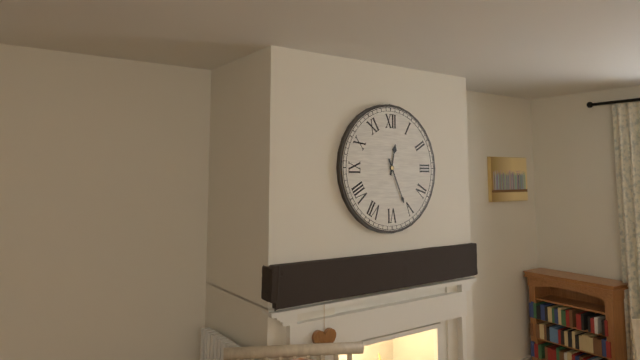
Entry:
h=12 m=26
